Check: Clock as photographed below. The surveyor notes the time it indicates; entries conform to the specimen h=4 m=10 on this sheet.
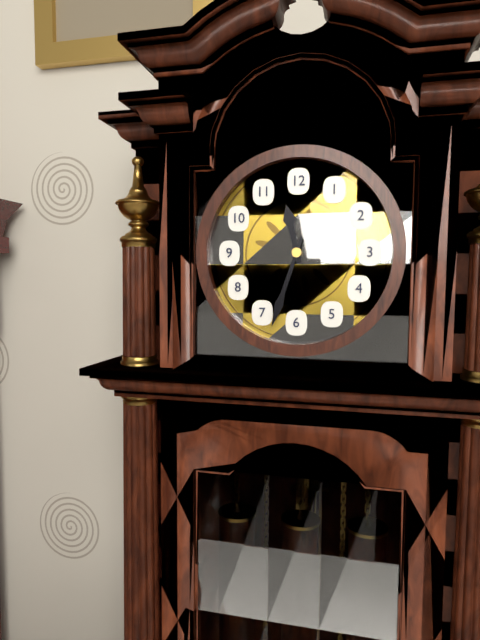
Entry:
h=11 m=33
